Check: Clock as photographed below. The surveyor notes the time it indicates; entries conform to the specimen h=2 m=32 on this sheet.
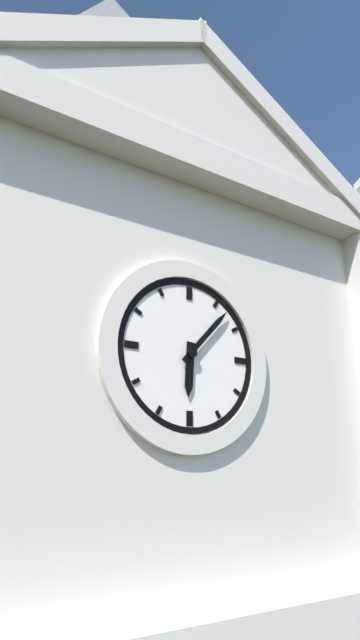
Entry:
h=6 m=7
